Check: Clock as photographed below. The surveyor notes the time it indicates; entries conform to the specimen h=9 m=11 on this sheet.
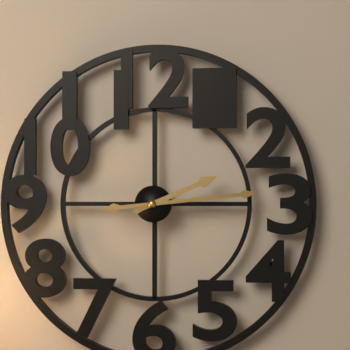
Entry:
h=2 m=14
